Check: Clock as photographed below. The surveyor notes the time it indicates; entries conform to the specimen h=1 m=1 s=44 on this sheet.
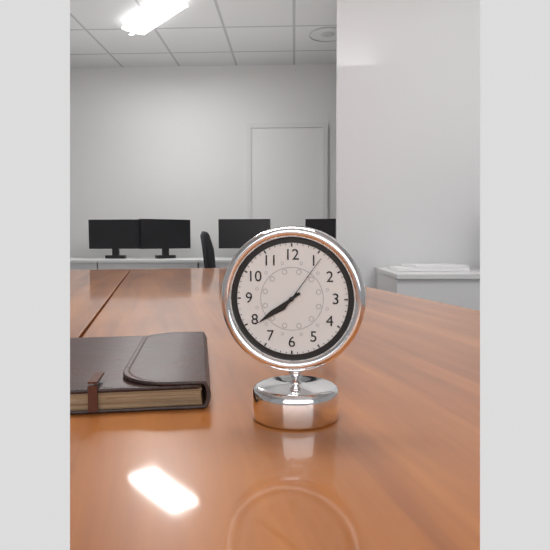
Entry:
h=7 m=39 s=6
